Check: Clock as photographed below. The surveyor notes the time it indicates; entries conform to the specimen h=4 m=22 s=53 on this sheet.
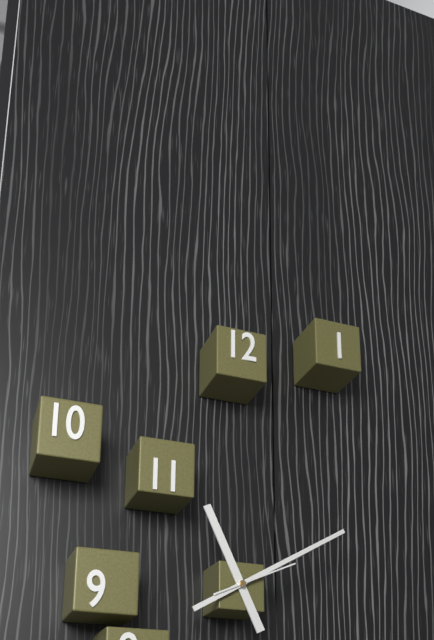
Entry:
h=11 m=10 s=11
